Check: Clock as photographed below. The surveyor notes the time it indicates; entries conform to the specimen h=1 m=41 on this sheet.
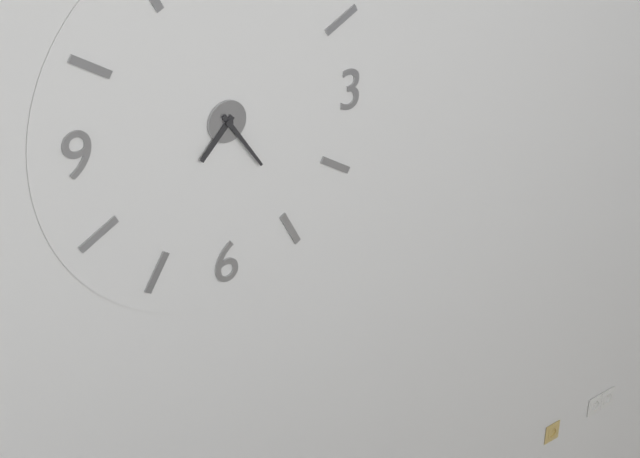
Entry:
h=7 m=24
